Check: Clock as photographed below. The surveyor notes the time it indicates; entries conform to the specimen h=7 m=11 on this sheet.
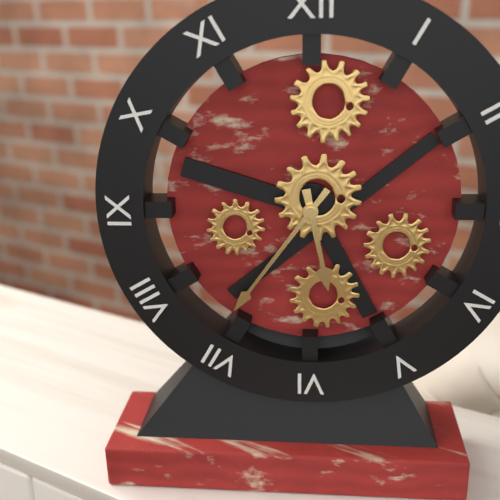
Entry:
h=5 m=36
